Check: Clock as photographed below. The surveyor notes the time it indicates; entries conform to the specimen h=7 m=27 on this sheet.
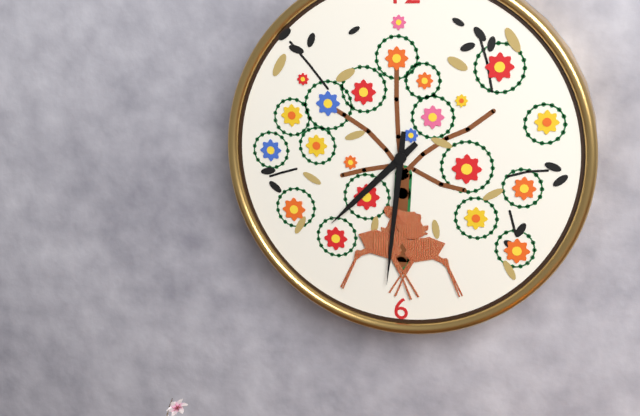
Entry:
h=7 m=31
